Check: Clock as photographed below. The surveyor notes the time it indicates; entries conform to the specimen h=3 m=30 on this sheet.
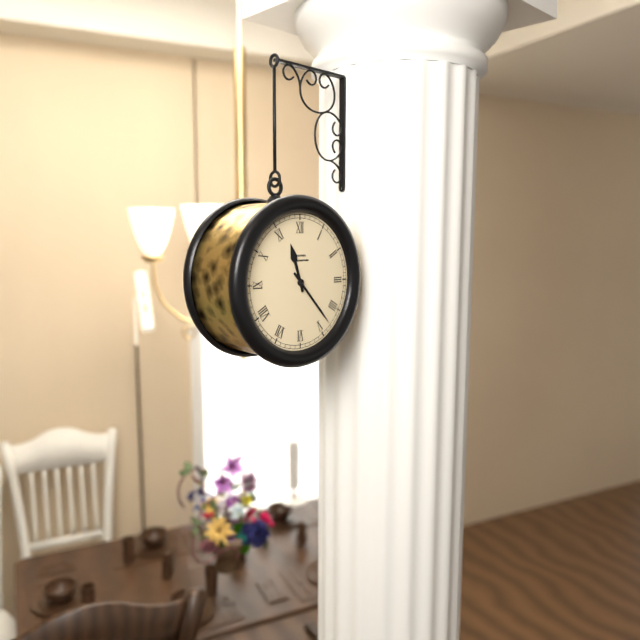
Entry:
h=11 m=23
